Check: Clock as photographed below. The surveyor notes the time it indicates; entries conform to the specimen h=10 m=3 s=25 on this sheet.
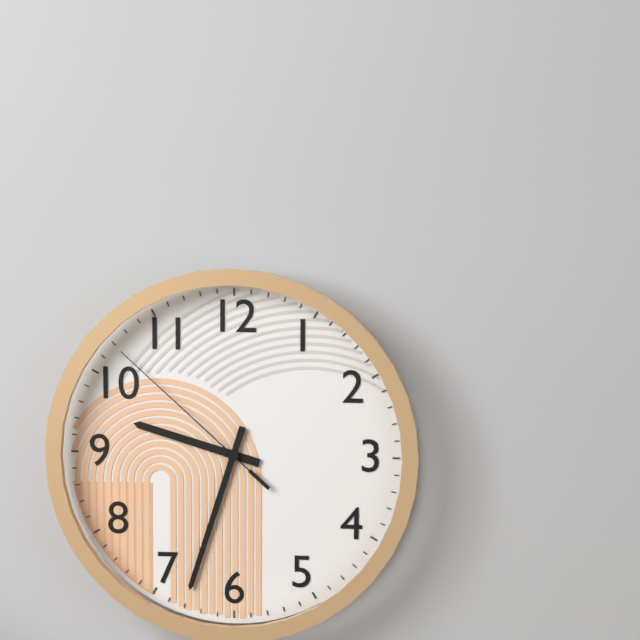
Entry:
h=9 m=33 s=52
